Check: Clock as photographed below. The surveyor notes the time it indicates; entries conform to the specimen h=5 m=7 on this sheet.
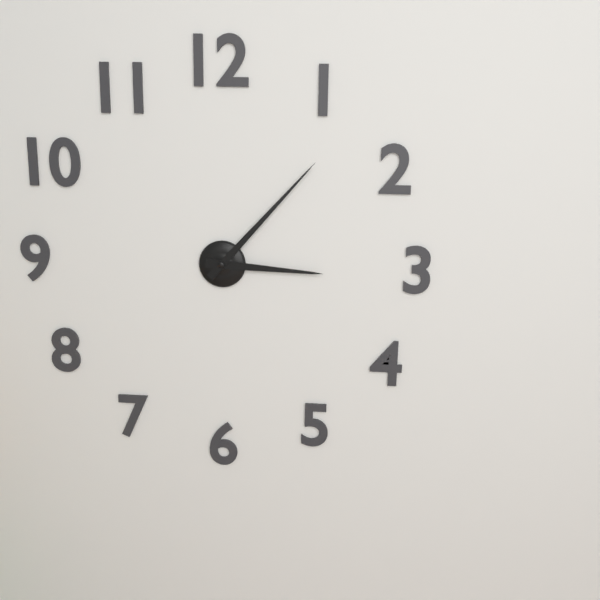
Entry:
h=3 m=7
